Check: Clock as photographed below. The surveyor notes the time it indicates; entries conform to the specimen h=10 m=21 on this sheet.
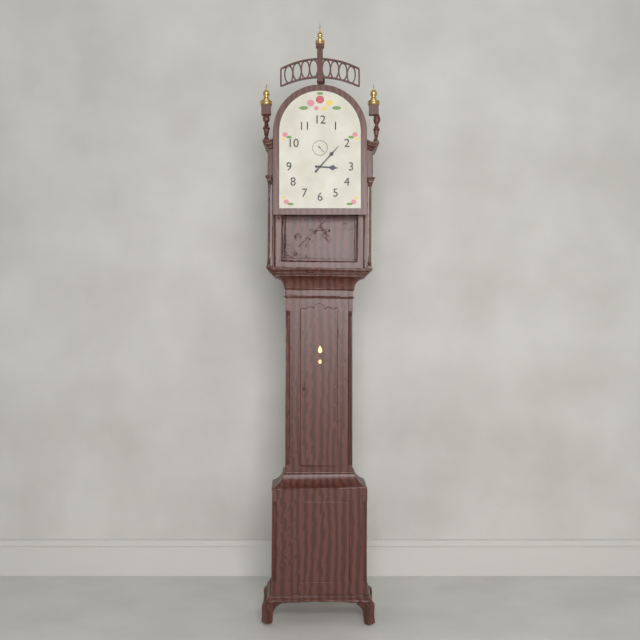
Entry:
h=3 m=7
